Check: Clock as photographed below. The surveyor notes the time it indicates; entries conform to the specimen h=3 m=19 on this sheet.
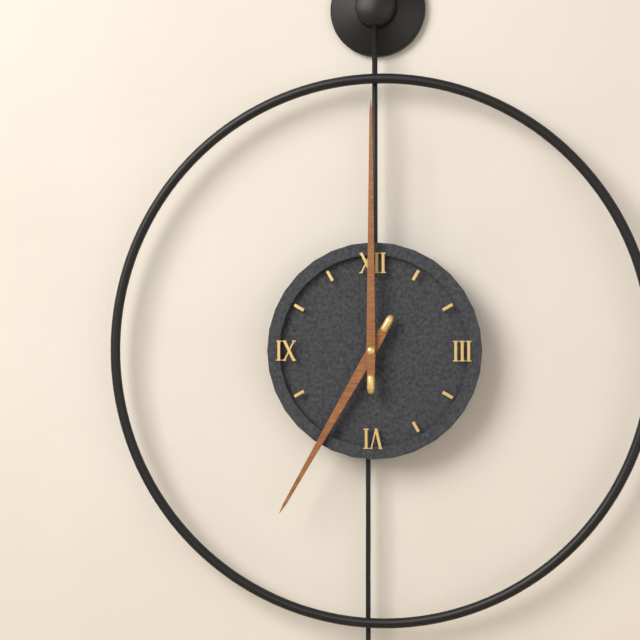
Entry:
h=7 m=0
